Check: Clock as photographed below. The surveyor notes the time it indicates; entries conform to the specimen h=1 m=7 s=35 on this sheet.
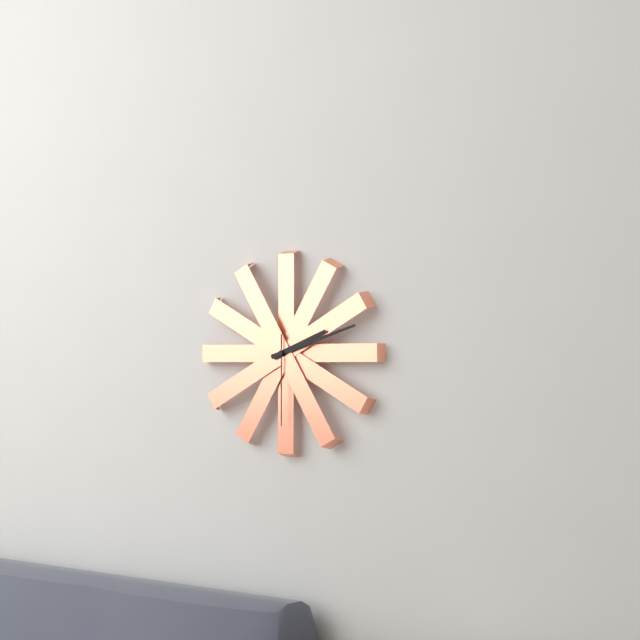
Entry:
h=2 m=12 s=30
